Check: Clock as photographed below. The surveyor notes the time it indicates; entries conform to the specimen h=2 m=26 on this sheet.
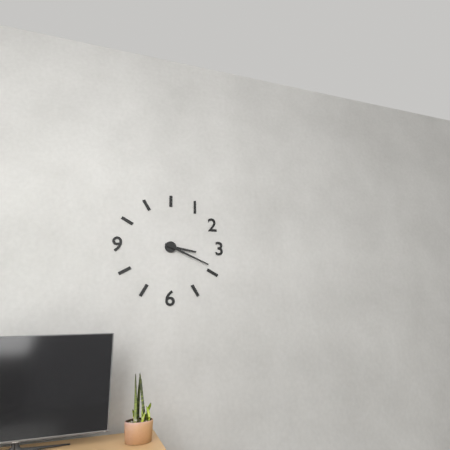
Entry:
h=3 m=19
